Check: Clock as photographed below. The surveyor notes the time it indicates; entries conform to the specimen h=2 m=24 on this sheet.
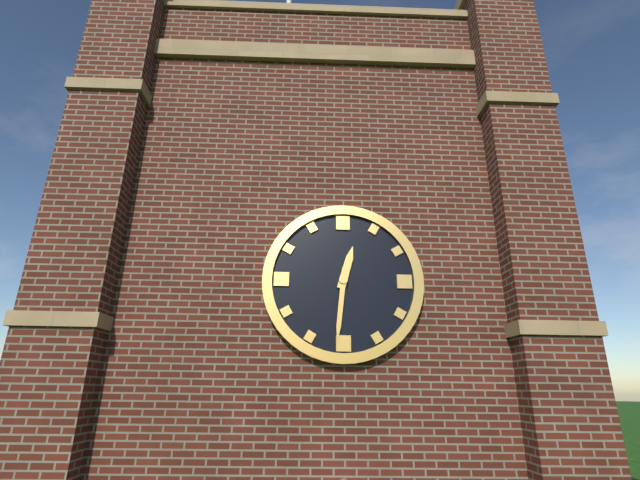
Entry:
h=12 m=31
